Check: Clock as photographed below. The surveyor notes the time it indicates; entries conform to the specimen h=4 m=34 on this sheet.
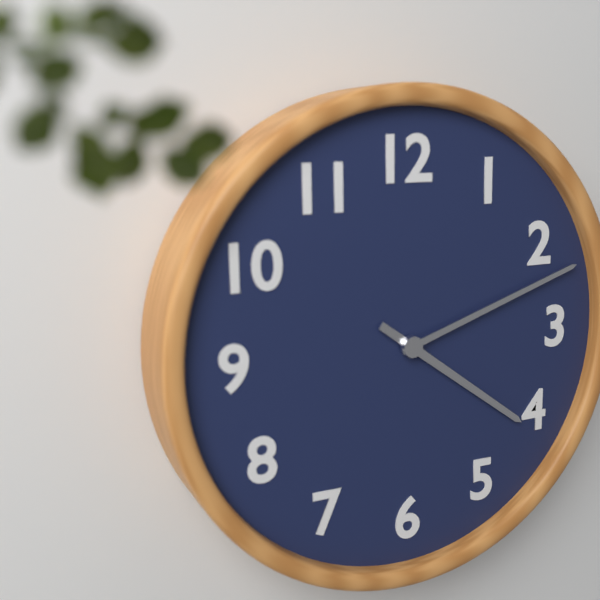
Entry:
h=4 m=12
